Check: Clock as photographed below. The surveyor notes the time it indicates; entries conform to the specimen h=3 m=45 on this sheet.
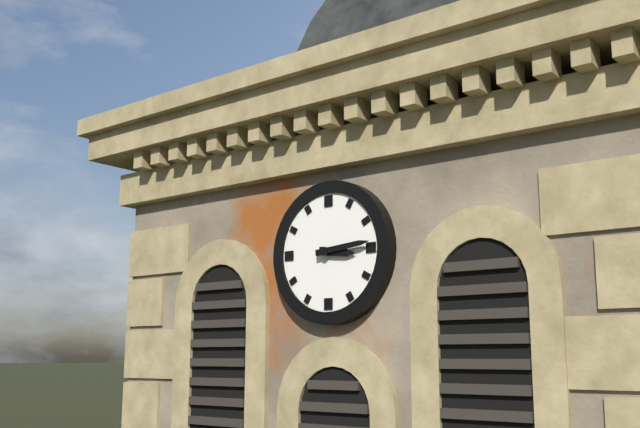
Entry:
h=3 m=14
